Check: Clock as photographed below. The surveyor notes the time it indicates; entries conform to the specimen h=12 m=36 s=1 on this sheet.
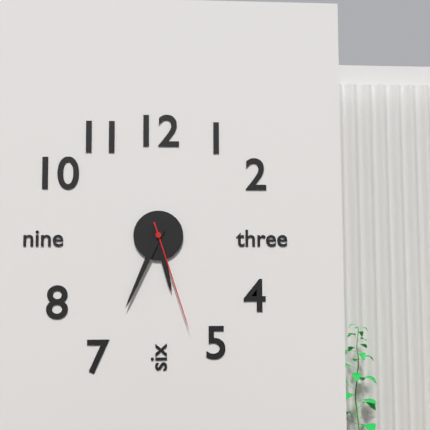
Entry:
h=5 m=34 s=27
